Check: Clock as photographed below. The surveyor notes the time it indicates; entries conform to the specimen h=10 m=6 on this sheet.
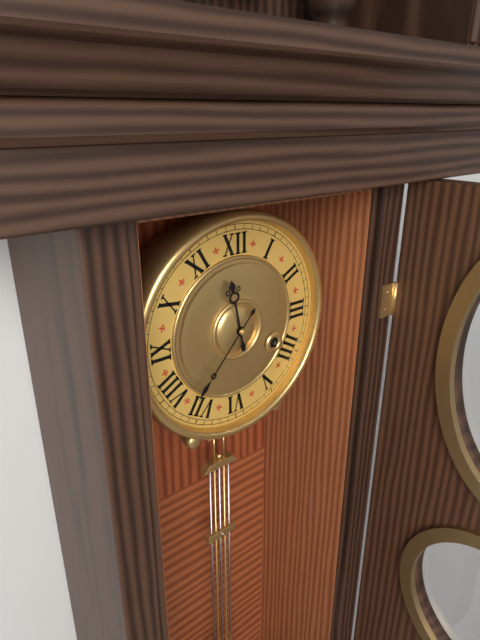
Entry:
h=11 m=37
